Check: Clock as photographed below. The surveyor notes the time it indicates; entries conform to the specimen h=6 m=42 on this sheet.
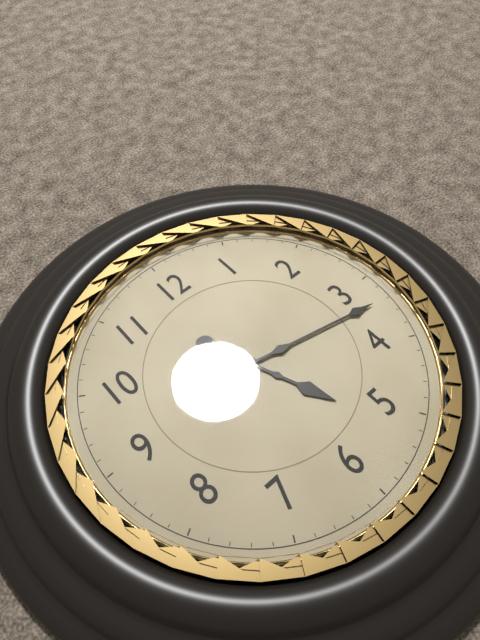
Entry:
h=5 m=17
